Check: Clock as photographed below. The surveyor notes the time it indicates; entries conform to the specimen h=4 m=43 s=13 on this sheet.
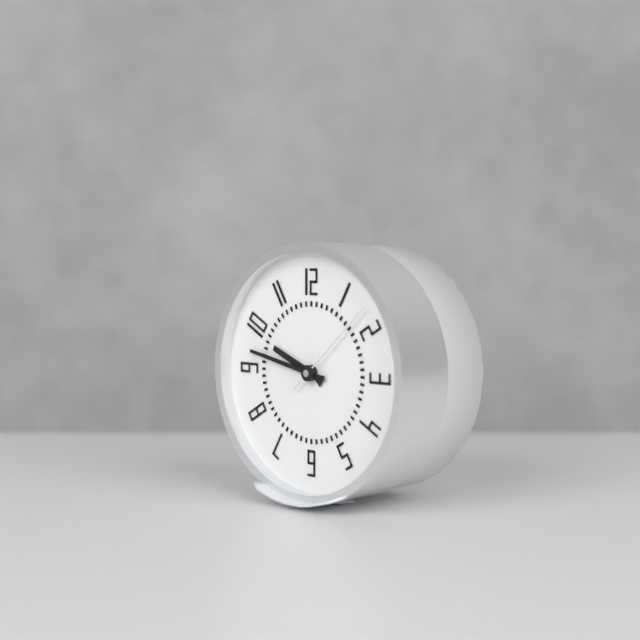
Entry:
h=9 m=47 s=8
